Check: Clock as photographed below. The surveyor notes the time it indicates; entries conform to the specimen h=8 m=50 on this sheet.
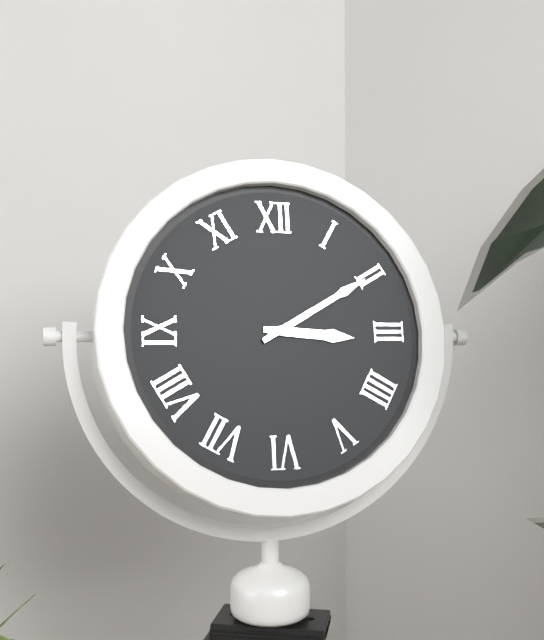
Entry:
h=3 m=10
